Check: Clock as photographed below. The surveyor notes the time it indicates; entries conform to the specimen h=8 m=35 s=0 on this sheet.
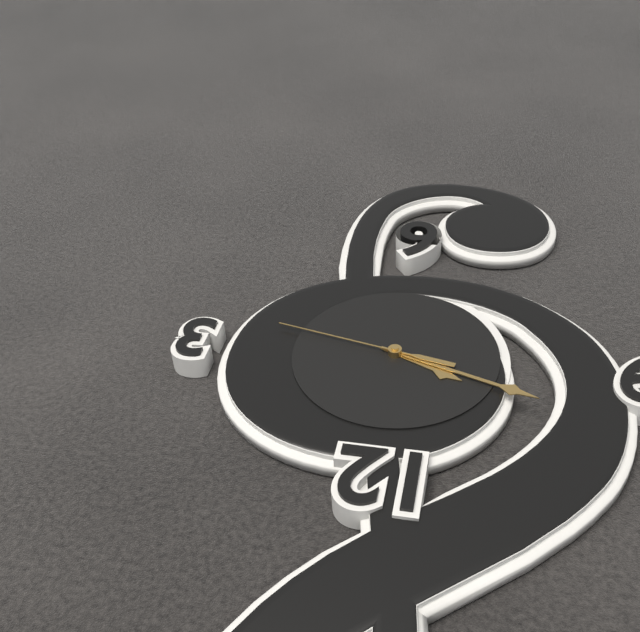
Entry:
h=9 m=48 s=17
